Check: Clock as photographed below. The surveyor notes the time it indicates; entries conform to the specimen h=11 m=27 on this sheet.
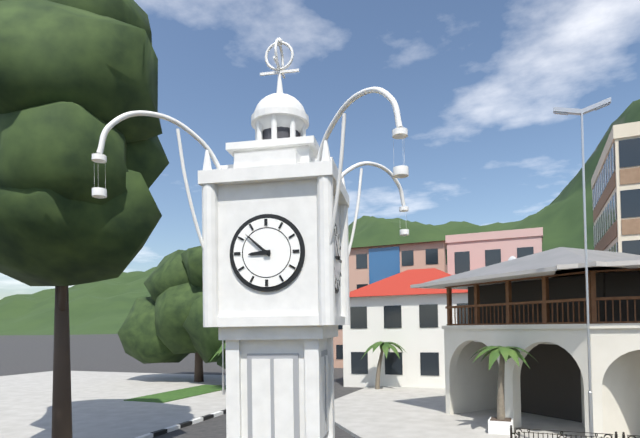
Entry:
h=8 m=52
